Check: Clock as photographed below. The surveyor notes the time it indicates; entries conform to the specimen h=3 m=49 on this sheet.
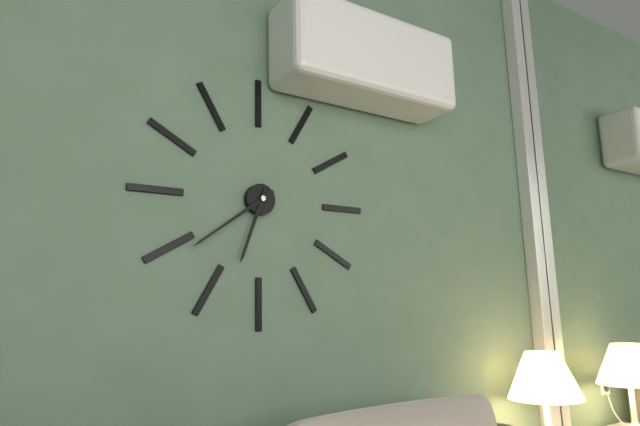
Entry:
h=6 m=39
